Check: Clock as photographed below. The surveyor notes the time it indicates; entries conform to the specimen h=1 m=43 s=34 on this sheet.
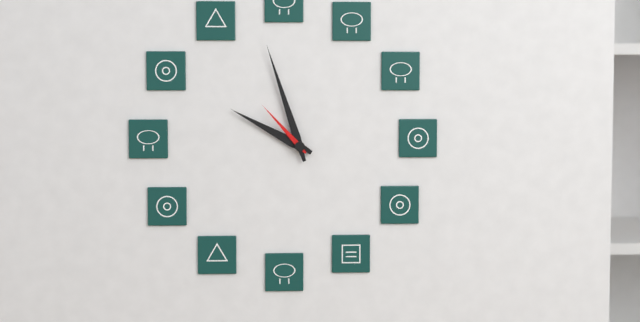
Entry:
h=9 m=57 s=53
